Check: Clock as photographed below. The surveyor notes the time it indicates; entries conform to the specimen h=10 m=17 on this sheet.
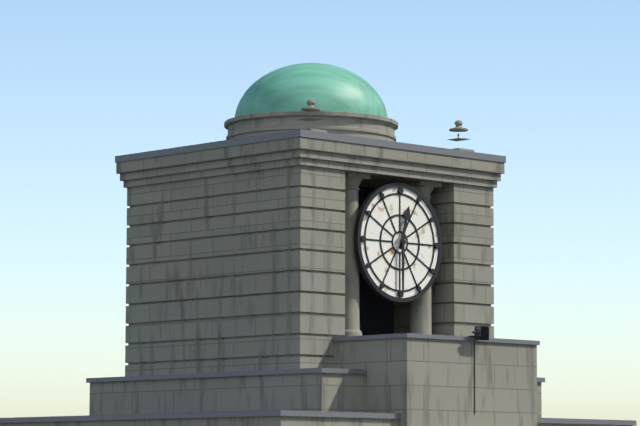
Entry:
h=12 m=30
